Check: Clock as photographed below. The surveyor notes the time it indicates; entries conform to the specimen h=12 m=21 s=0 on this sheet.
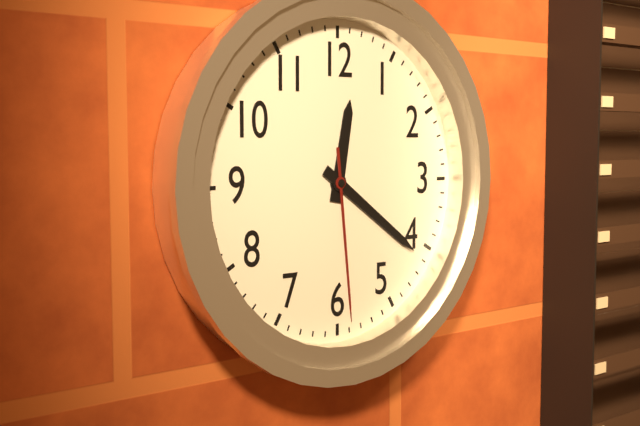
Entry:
h=12 m=21 s=29
